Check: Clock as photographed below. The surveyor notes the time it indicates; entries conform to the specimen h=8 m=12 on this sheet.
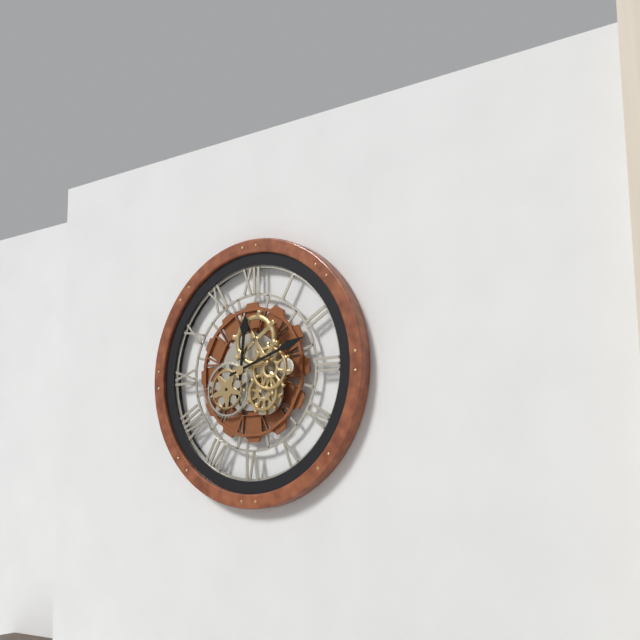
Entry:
h=12 m=12
